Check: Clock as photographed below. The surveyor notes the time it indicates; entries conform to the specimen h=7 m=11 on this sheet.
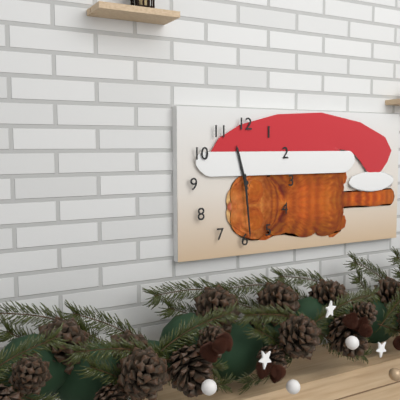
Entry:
h=11 m=29
